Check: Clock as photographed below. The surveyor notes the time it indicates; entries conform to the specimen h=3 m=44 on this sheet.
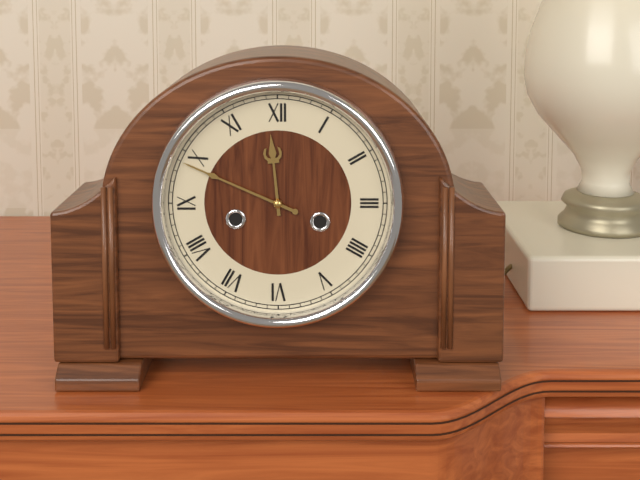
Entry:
h=11 m=49
